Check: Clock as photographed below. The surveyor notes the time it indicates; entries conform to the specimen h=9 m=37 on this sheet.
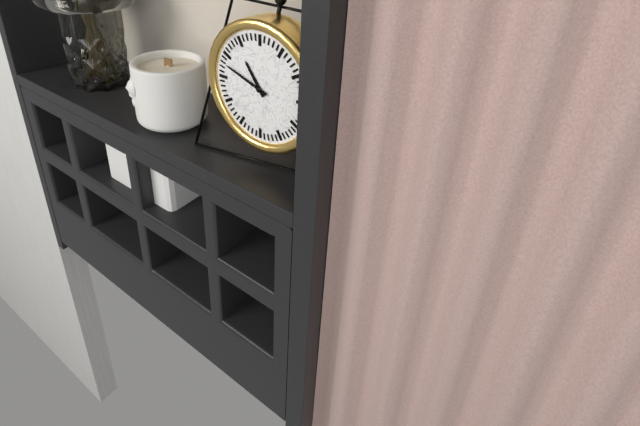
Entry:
h=10 m=48
